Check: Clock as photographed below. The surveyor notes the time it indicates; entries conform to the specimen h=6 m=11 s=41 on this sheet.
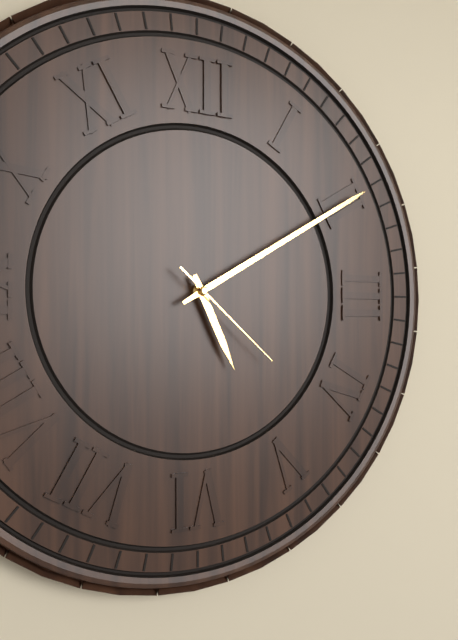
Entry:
h=5 m=10 s=22
